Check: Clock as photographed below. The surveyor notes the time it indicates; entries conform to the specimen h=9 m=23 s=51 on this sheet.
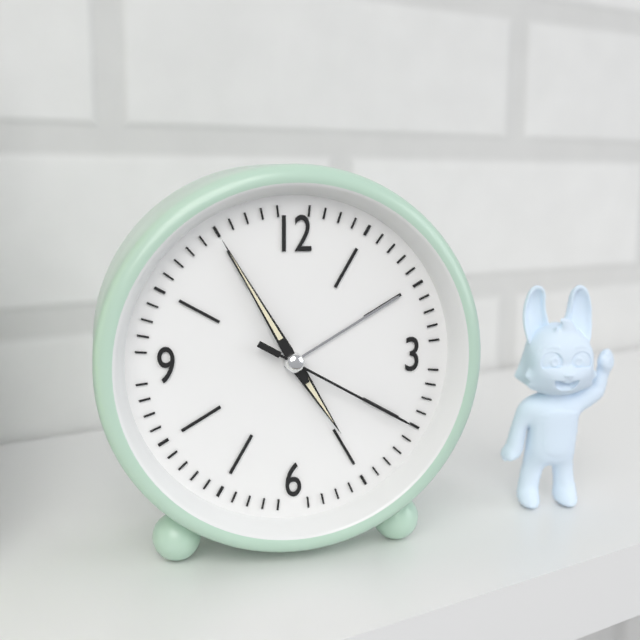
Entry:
h=4 m=55 s=20
